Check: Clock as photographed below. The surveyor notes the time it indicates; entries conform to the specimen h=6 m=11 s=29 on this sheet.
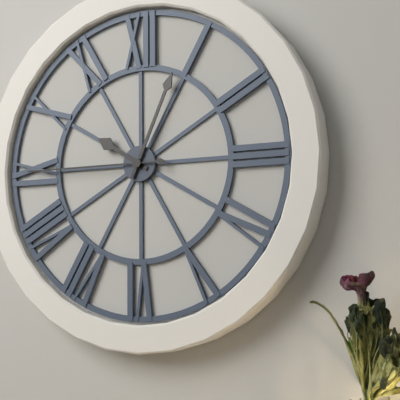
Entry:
h=10 m=4 s=45
